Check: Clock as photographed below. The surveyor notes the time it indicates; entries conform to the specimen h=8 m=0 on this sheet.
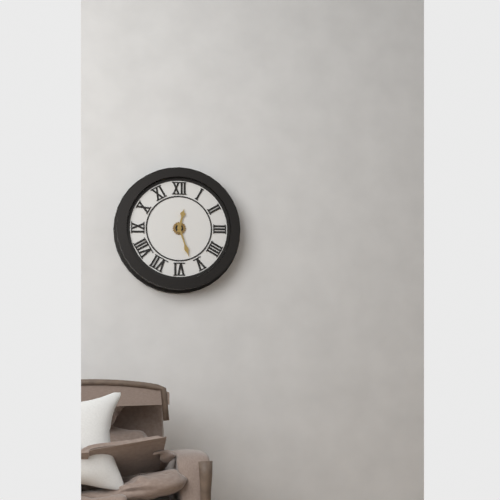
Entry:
h=12 m=27
